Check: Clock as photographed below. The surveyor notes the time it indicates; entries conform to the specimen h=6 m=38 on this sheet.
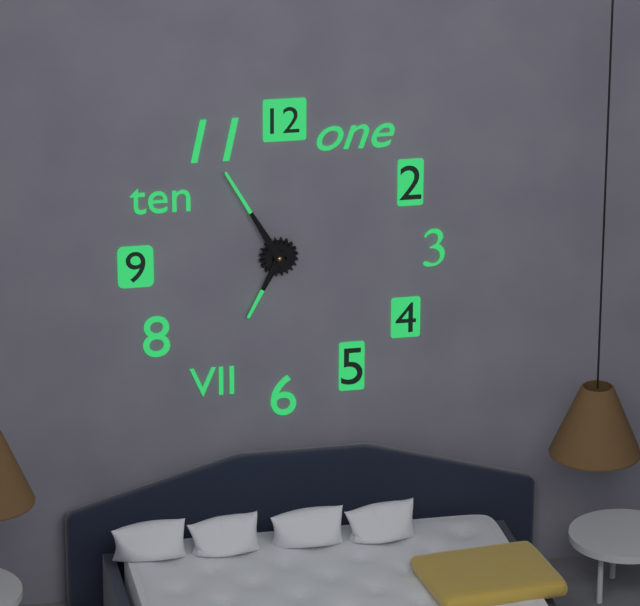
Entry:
h=6 m=55
